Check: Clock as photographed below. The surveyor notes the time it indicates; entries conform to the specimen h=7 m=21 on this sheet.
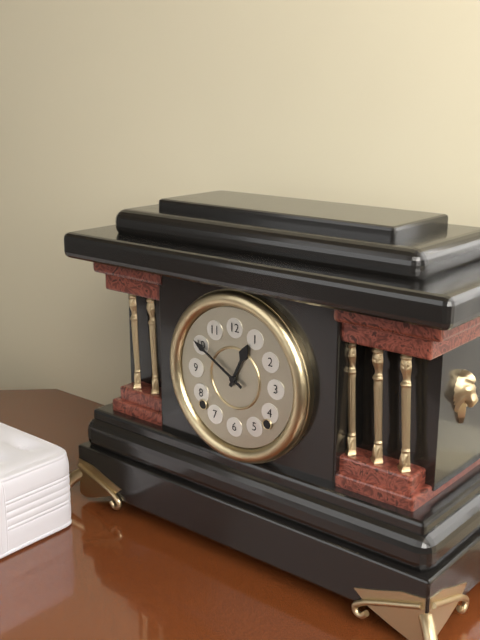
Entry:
h=12 m=50
